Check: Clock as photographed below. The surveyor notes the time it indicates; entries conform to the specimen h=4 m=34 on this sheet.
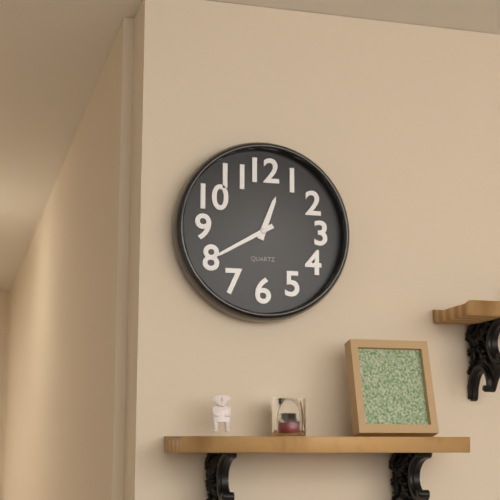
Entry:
h=12 m=40
